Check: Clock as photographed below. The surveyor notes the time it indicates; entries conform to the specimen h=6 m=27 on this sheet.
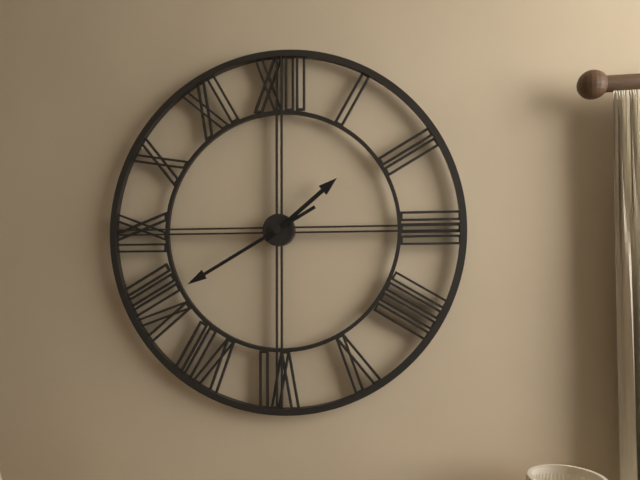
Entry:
h=1 m=40
